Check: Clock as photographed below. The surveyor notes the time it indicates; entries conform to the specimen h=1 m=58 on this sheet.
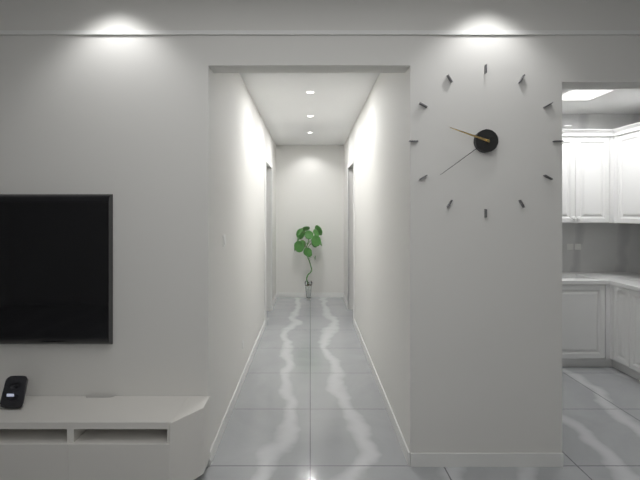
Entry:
h=9 m=39
